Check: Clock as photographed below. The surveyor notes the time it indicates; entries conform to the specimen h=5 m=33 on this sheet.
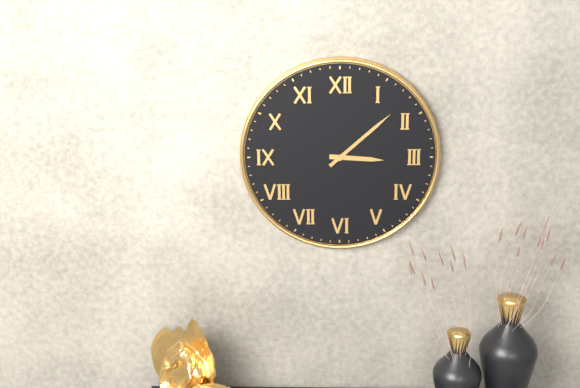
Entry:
h=3 m=8
